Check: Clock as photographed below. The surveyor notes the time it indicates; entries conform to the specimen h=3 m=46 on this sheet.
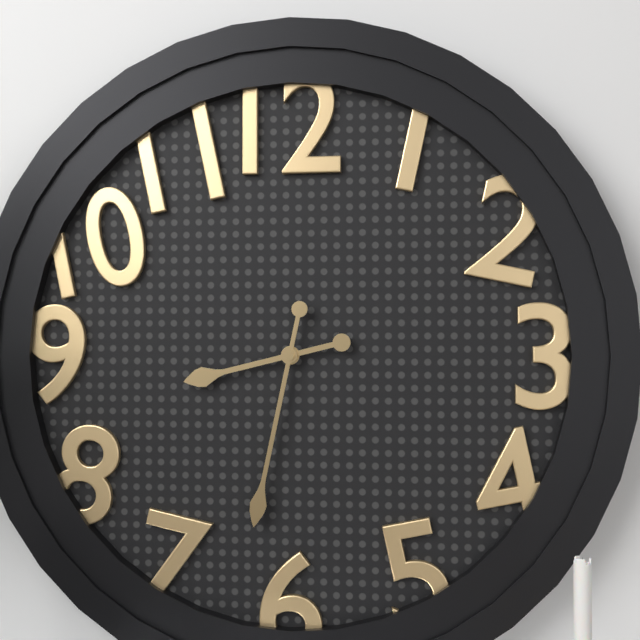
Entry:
h=8 m=32
